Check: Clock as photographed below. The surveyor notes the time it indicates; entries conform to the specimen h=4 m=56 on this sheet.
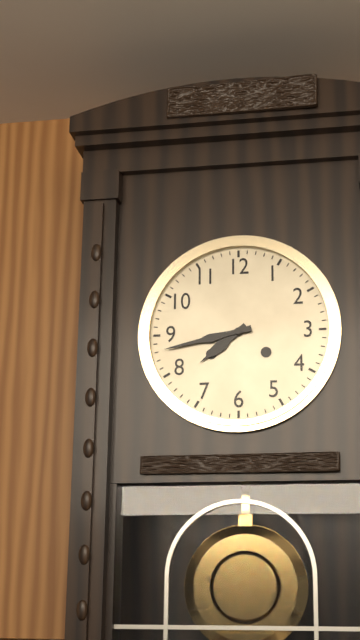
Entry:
h=7 m=43
